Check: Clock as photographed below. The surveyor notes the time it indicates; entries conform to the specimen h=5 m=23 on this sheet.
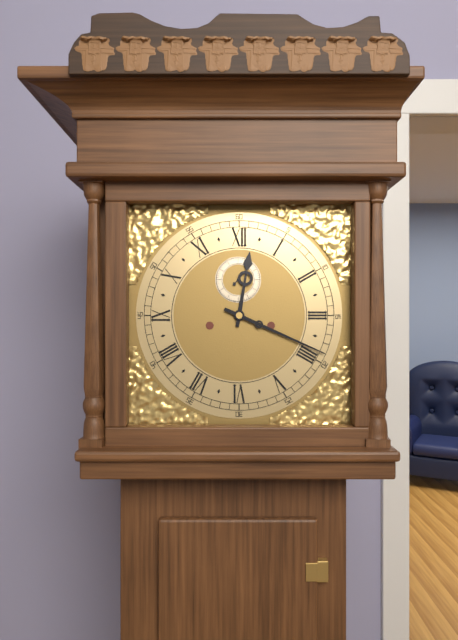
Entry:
h=12 m=19
